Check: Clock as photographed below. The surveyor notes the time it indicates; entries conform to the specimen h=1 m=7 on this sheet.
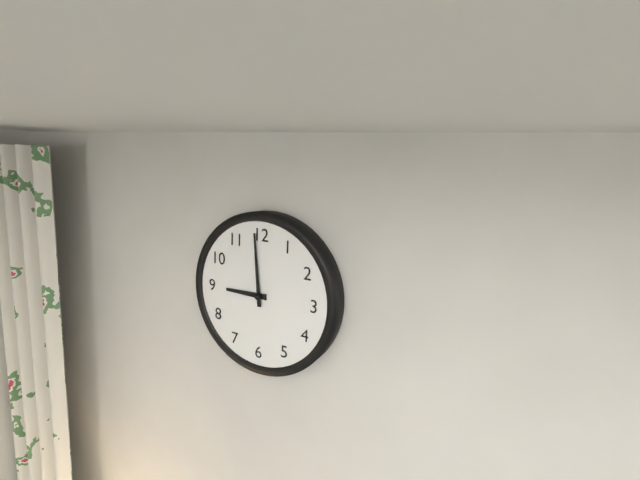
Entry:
h=8 m=59
